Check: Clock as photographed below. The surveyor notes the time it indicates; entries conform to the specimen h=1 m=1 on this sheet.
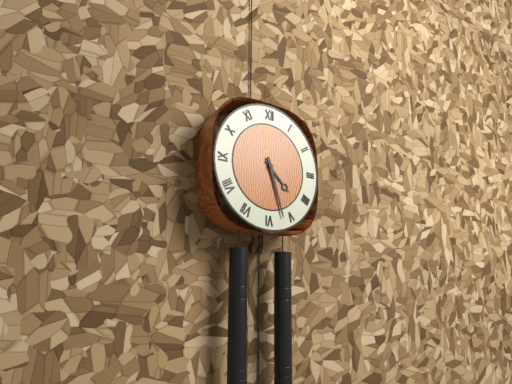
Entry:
h=4 m=27
